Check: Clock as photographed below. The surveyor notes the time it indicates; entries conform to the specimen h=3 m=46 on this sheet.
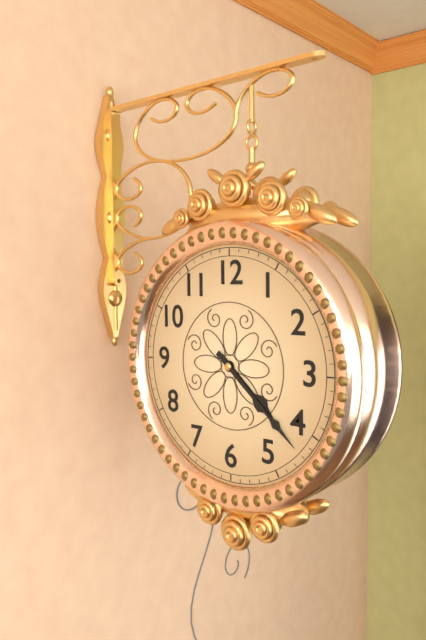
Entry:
h=4 m=22
